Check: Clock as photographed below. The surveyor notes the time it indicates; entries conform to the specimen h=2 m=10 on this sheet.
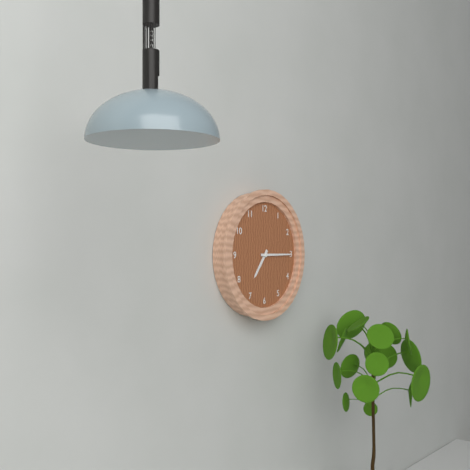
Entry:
h=7 m=15
